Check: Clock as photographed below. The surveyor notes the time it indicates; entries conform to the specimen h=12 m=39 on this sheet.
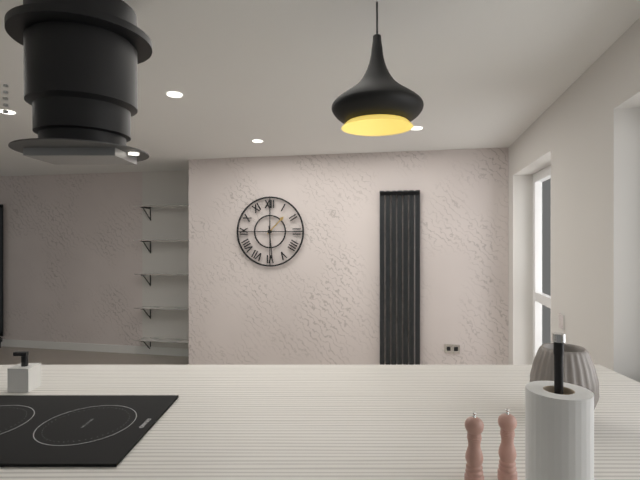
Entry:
h=1 m=29
